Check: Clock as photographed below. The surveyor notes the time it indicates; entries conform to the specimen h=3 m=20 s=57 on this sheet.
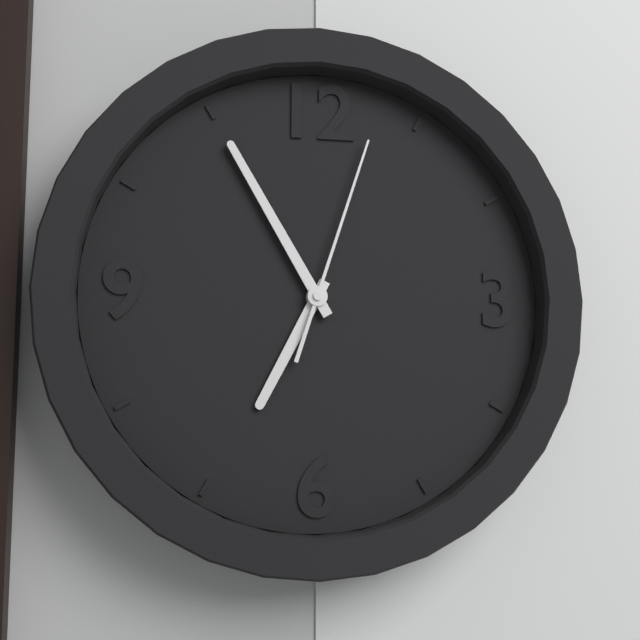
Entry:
h=6 m=55 s=3
